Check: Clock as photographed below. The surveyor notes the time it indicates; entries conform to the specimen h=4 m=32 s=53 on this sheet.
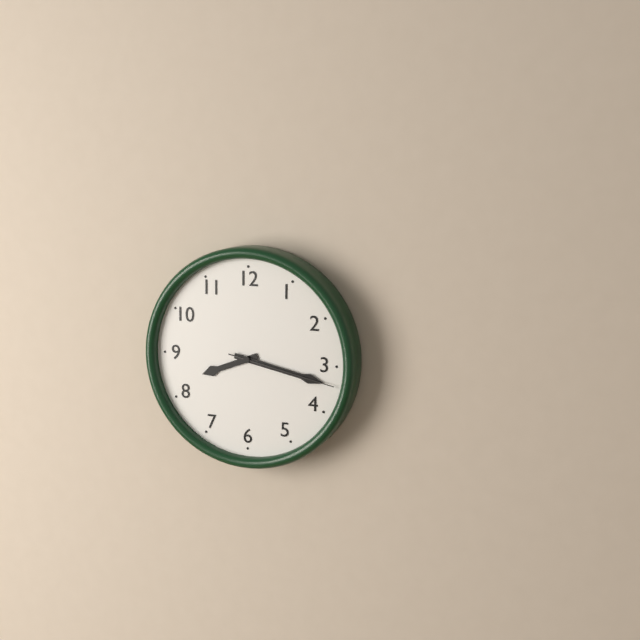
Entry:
h=8 m=17 s=17
